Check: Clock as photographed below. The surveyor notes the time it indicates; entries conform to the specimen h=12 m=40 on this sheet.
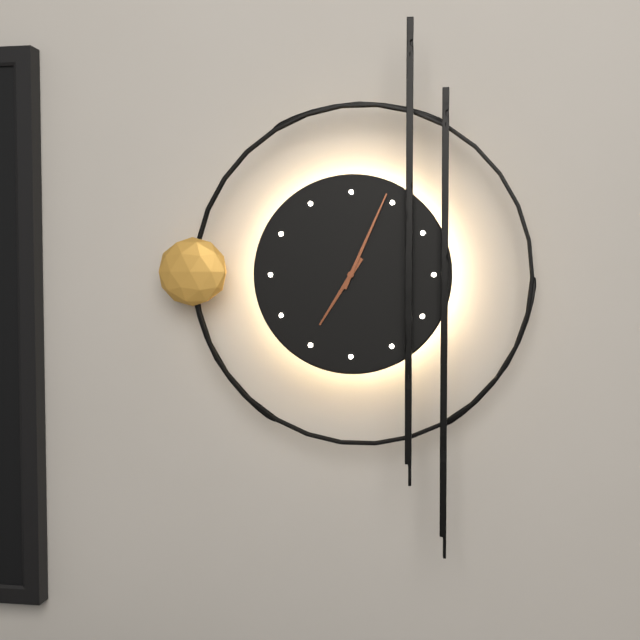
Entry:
h=7 m=4
